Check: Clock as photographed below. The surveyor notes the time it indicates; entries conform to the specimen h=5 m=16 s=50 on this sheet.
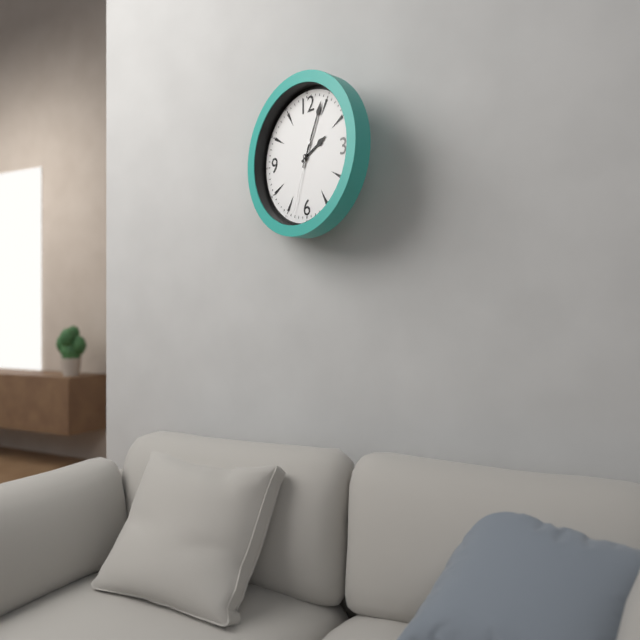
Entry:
h=2 m=4 s=33
